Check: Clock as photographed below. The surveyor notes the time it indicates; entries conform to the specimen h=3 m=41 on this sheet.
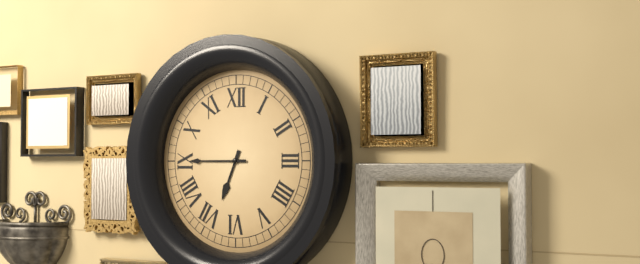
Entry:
h=6 m=45
